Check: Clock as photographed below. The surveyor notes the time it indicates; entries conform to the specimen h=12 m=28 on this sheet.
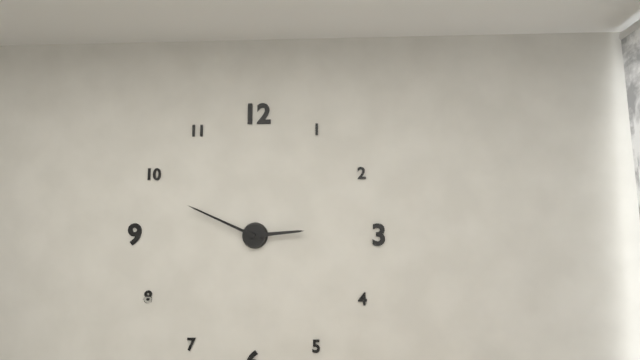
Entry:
h=2 m=49
